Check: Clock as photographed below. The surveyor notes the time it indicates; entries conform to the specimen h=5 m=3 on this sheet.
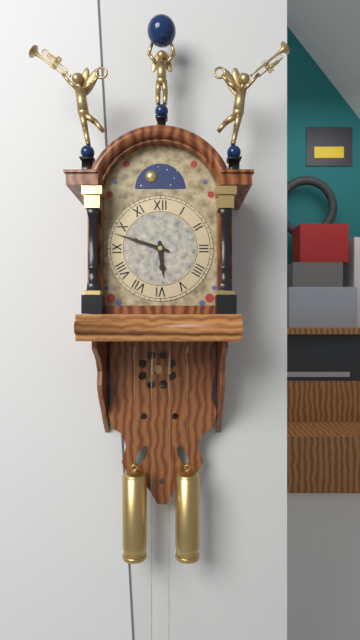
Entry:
h=5 m=48
